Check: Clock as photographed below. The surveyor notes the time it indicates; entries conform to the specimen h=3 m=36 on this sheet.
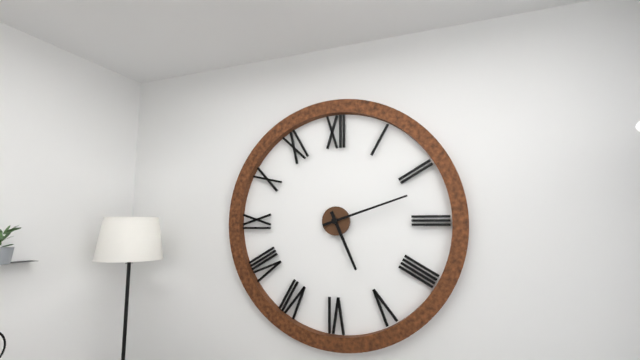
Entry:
h=5 m=12
